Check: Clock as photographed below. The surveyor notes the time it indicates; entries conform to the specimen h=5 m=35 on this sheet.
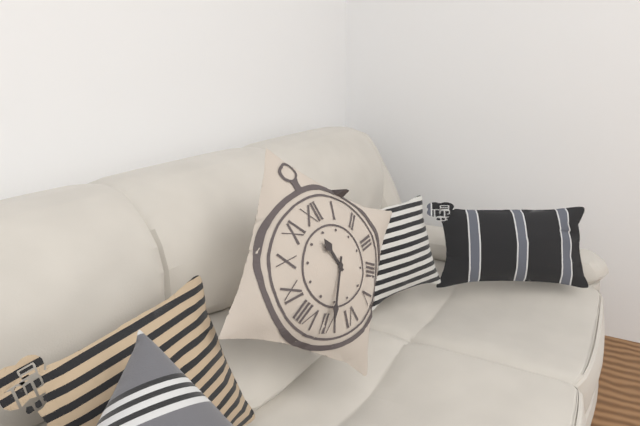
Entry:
h=11 m=36
